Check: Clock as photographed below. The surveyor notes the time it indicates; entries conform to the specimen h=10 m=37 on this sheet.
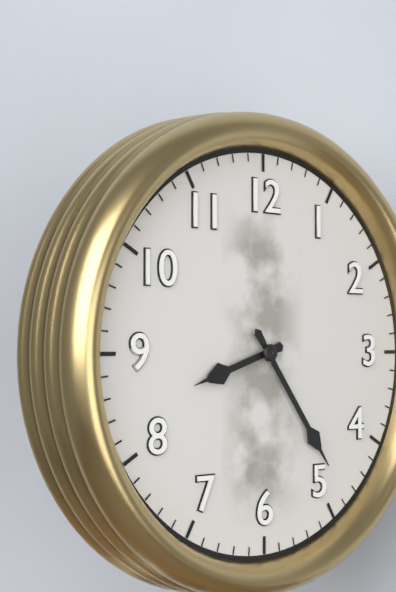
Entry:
h=8 m=24
